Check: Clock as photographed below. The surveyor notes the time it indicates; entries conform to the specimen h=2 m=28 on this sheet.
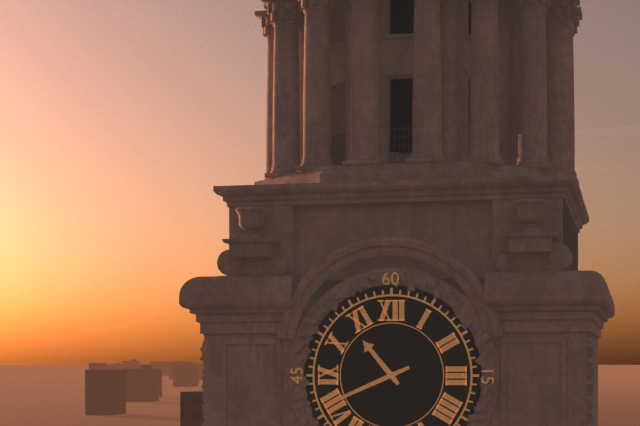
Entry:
h=10 m=41
